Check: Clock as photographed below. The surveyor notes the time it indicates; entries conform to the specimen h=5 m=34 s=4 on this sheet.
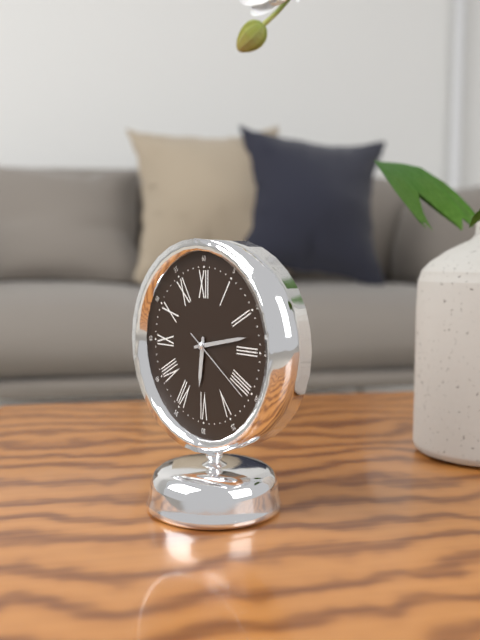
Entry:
h=6 m=13 s=21
